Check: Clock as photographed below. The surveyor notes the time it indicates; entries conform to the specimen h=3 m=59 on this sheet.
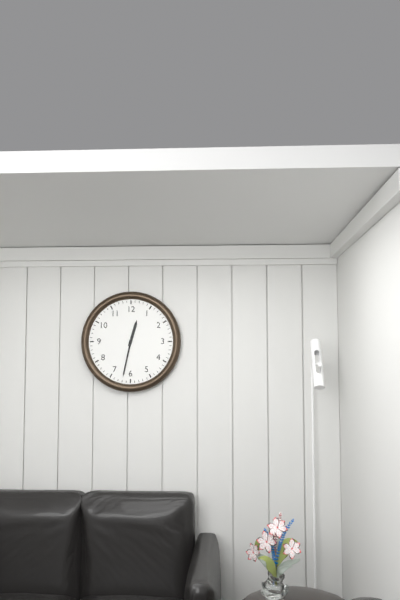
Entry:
h=12 m=32
